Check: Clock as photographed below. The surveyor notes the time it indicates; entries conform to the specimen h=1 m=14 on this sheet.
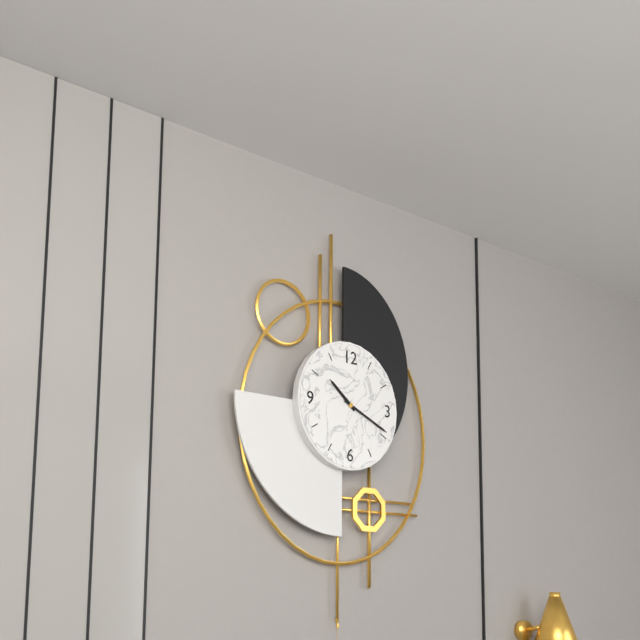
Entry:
h=10 m=19
